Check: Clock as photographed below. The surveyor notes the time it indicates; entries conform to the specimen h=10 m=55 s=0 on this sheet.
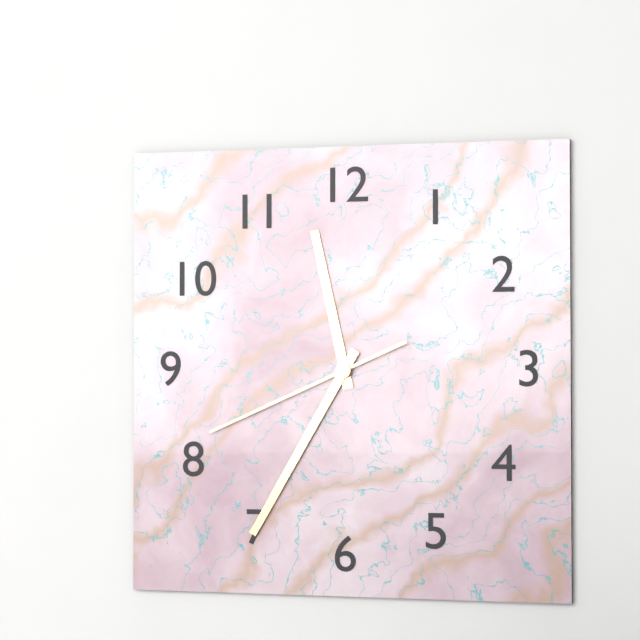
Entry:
h=11 m=35 s=41
